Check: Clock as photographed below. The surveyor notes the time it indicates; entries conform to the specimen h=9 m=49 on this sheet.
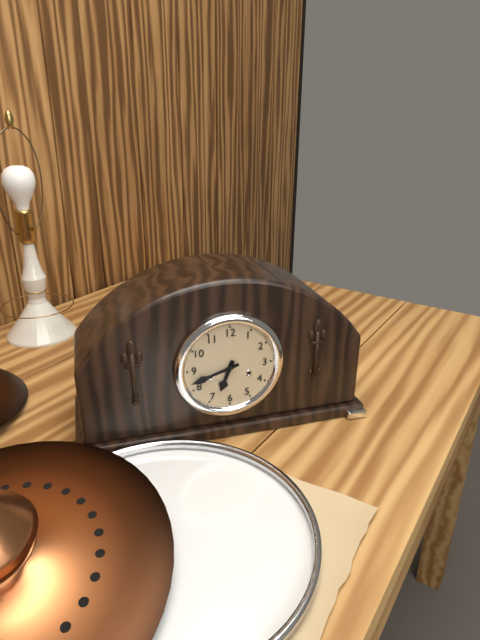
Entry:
h=6 m=42
